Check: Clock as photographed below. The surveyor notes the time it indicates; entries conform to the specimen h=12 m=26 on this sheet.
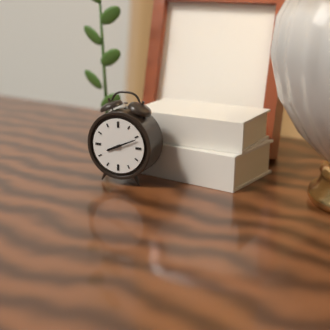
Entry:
h=8 m=11
